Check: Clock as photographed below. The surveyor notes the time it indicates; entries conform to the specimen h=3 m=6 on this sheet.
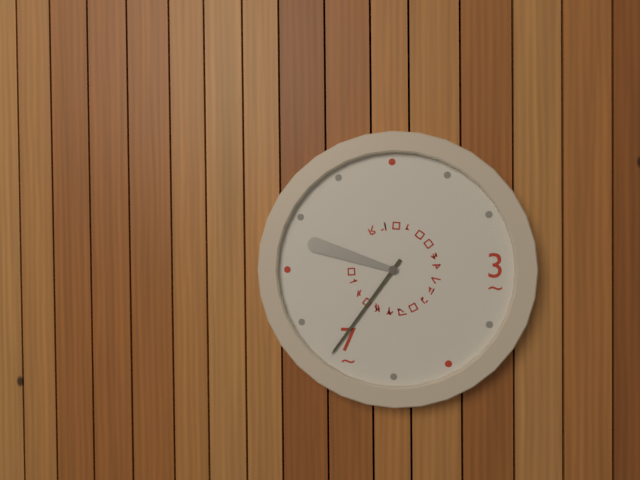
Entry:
h=9 m=36
